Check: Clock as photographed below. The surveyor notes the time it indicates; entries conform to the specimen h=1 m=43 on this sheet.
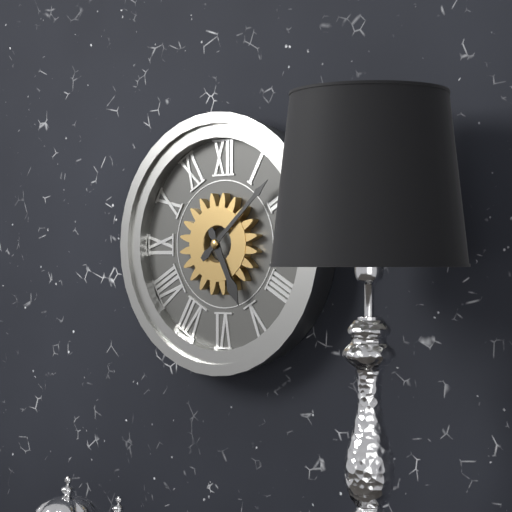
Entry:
h=5 m=8
